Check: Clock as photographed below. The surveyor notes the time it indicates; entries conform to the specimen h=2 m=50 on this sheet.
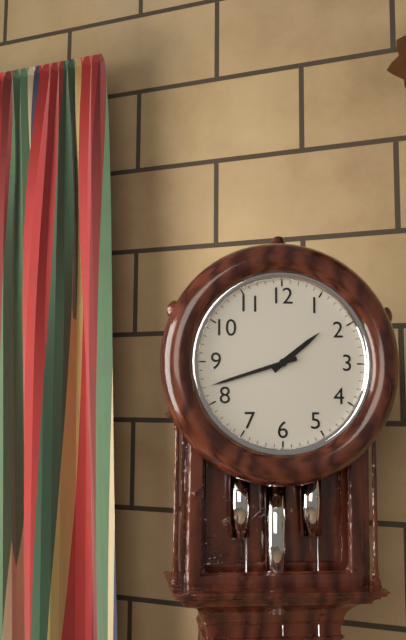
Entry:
h=1 m=42
